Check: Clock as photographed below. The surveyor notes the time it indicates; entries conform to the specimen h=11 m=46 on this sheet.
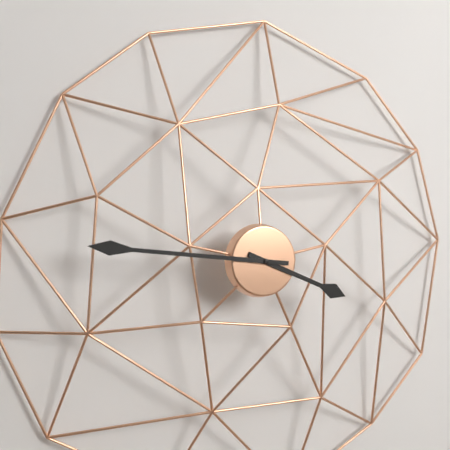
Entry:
h=3 m=46
